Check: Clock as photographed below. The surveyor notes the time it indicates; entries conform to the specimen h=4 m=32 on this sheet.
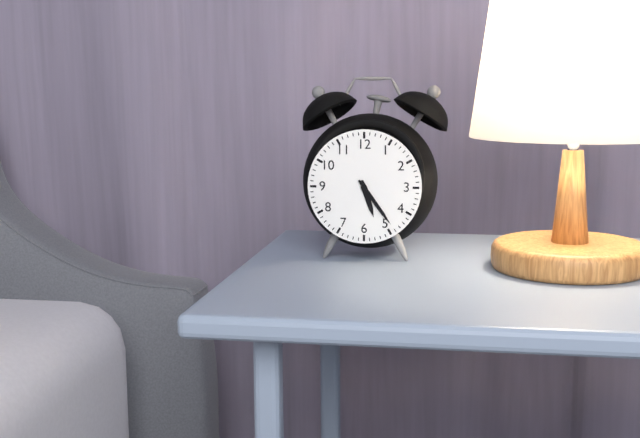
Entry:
h=5 m=24
